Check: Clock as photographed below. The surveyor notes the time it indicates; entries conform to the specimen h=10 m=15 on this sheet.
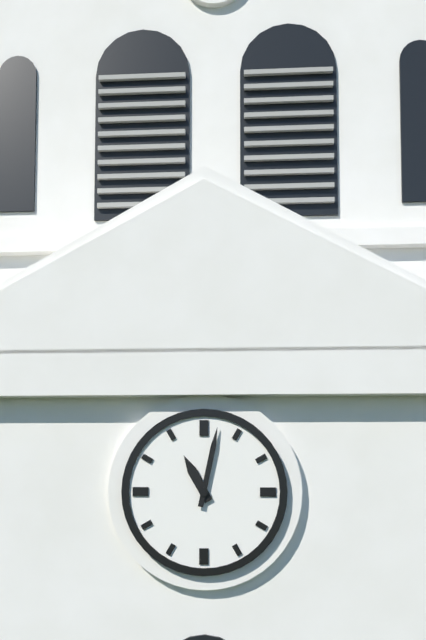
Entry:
h=11 m=2
